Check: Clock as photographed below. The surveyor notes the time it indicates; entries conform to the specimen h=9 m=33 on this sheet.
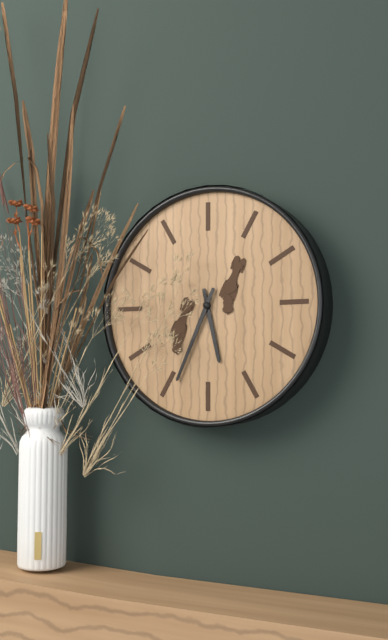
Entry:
h=5 m=34
